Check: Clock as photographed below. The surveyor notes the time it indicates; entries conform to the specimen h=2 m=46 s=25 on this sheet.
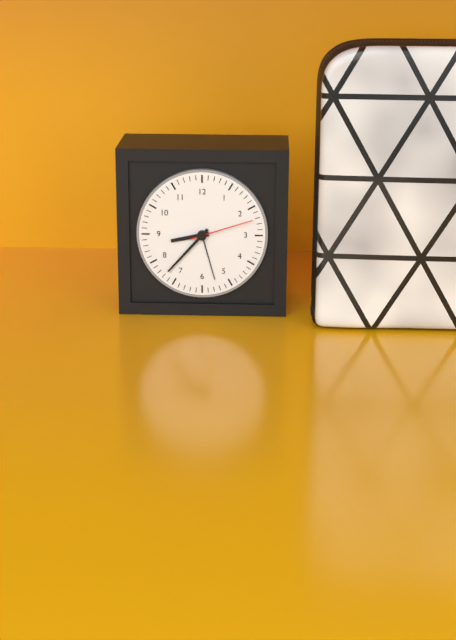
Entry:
h=8 m=37 s=12
